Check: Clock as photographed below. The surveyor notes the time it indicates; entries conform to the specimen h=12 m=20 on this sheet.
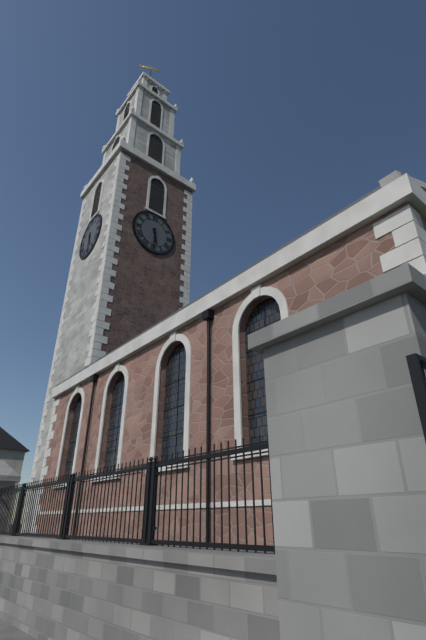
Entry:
h=5 m=30
